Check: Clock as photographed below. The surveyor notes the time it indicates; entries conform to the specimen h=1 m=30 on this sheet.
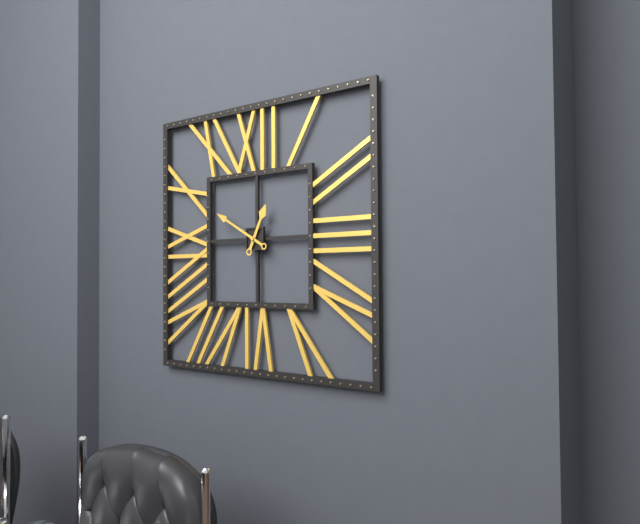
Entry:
h=12 m=50
